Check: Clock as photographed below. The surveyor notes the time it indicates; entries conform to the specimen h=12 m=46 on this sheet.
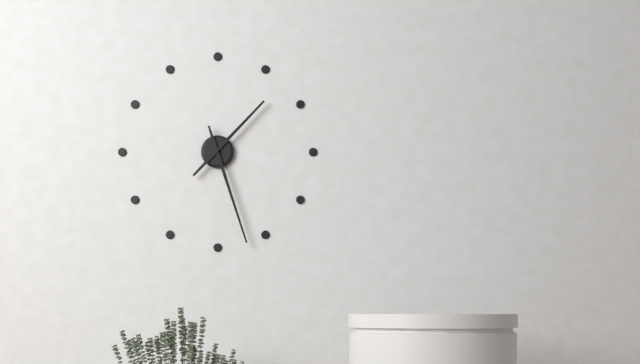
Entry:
h=1 m=27
